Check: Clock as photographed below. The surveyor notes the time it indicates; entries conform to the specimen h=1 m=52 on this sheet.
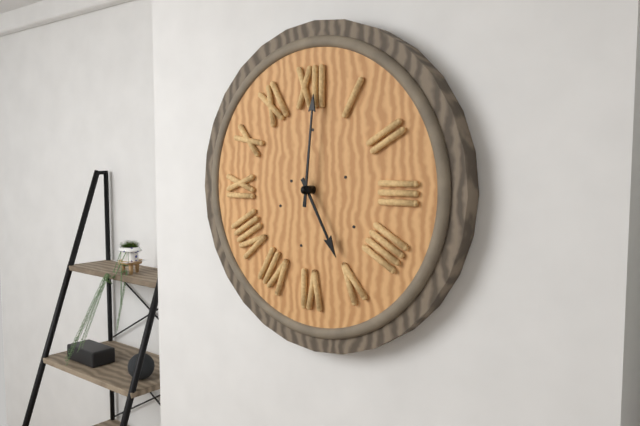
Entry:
h=5 m=1
